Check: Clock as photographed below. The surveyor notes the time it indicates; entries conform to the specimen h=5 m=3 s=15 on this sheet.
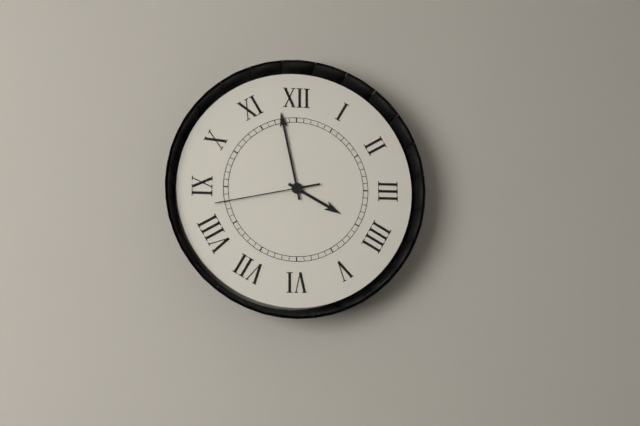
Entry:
h=3 m=58 s=43
